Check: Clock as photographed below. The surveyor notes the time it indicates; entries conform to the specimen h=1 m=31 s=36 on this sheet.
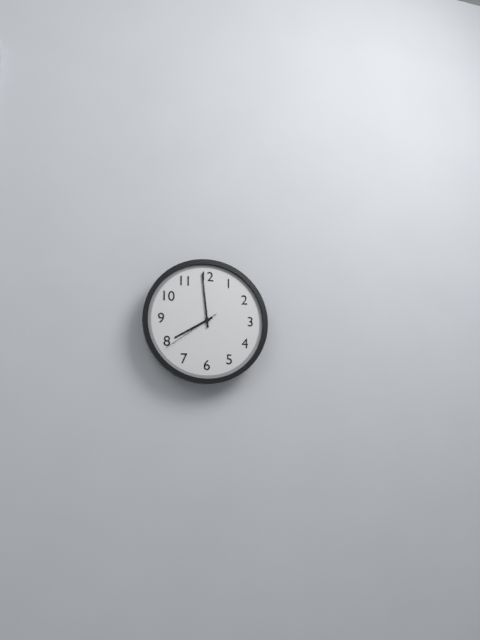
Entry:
h=7 m=59 s=39
